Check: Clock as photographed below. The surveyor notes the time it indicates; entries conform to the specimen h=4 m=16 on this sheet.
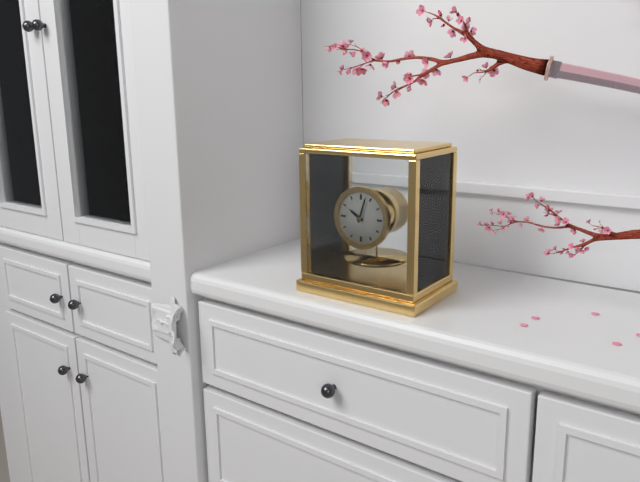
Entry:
h=10 m=3
